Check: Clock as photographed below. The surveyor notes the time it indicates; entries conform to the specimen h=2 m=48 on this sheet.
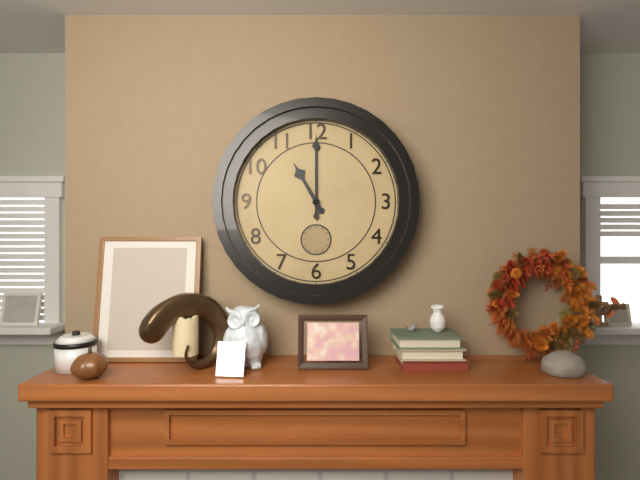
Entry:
h=11 m=0
